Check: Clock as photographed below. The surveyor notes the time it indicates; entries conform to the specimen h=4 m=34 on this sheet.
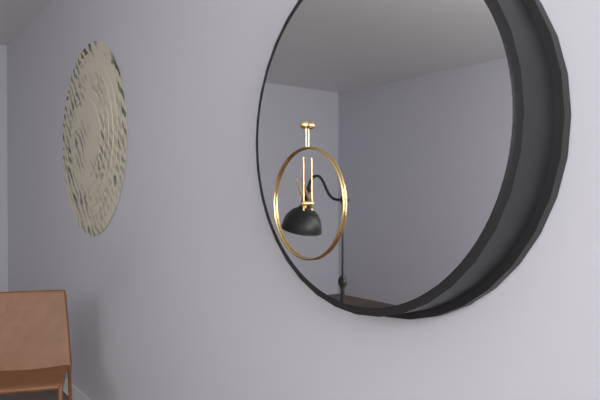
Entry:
h=11 m=0
